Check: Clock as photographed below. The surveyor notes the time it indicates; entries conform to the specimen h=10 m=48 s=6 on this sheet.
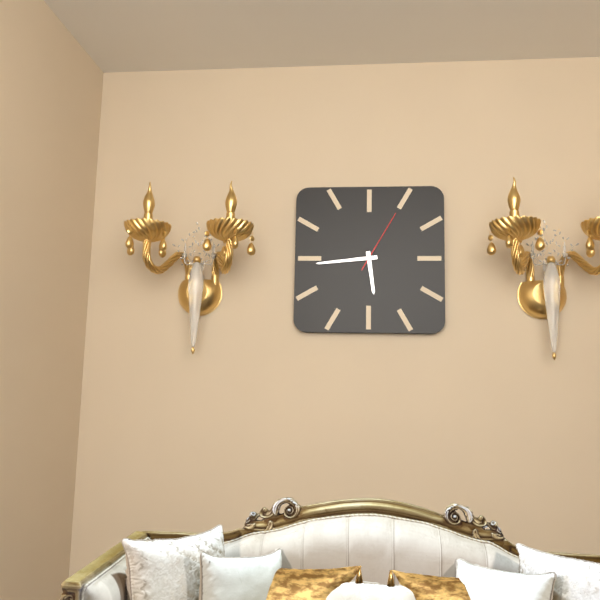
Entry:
h=5 m=44 s=5
